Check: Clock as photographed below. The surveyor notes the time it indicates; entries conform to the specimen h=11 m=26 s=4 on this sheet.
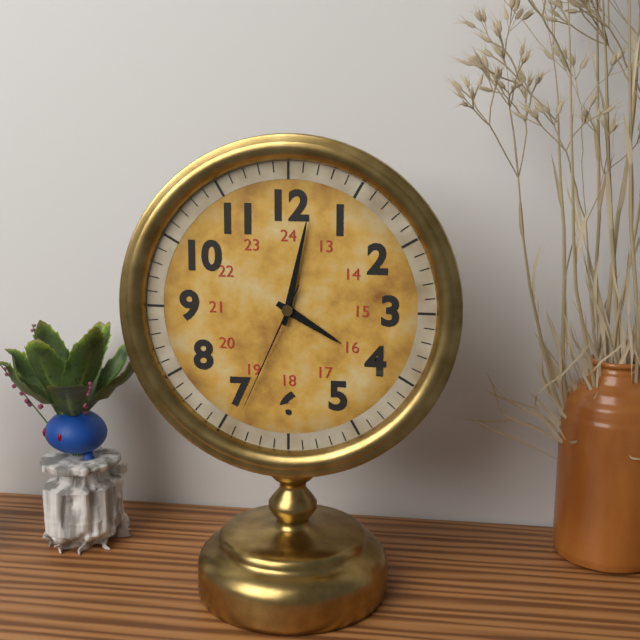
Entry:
h=4 m=2 s=34
